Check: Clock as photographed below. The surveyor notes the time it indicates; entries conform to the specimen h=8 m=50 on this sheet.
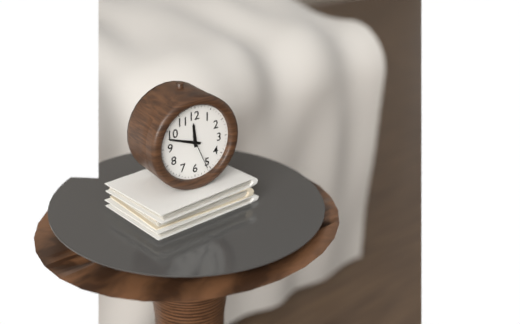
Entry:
h=11 m=48
